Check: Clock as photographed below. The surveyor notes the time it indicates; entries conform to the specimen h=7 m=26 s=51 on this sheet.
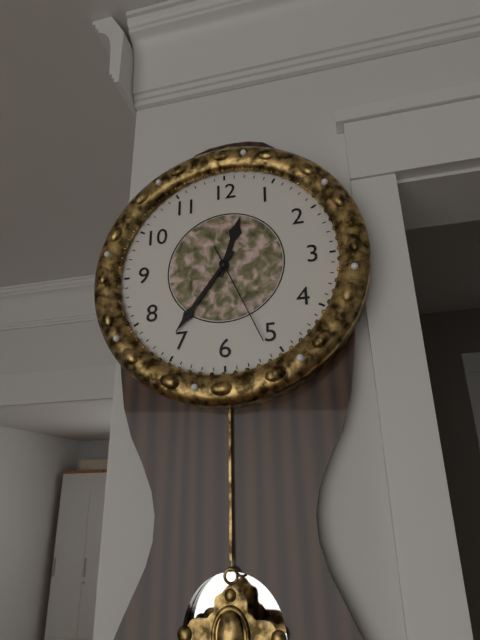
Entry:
h=12 m=36 s=26
